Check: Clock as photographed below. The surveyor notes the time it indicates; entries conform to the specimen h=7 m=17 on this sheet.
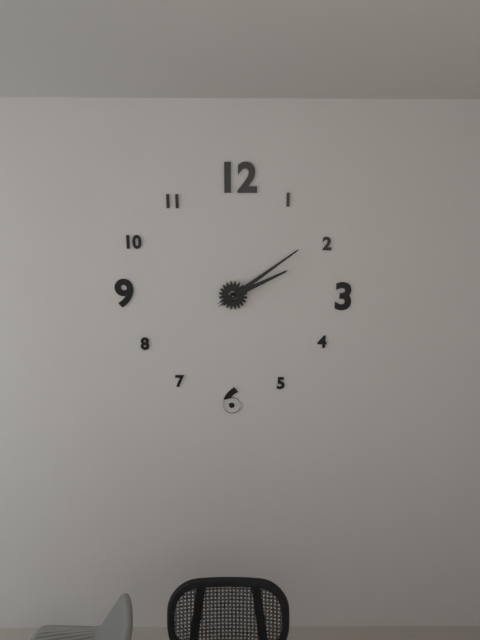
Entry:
h=2 m=9
